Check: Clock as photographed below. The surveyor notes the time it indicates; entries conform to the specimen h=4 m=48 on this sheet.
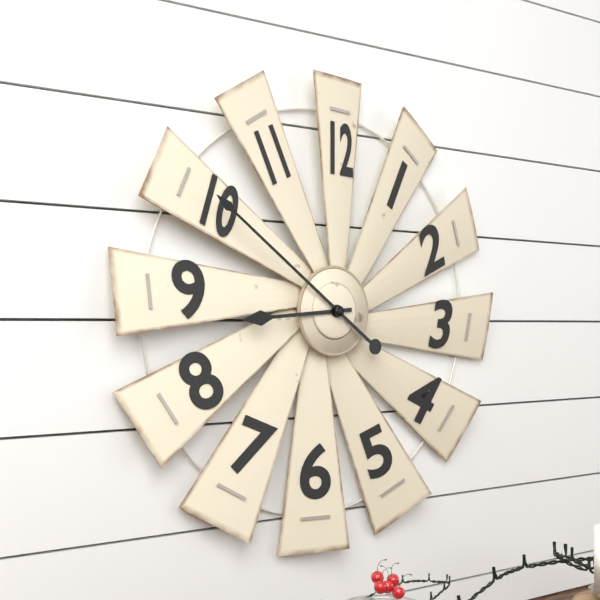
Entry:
h=8 m=51
